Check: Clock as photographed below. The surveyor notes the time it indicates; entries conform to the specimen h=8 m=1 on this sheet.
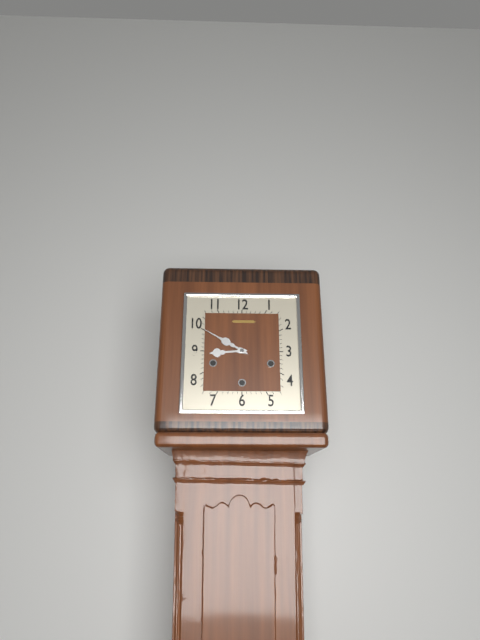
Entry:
h=8 m=50
